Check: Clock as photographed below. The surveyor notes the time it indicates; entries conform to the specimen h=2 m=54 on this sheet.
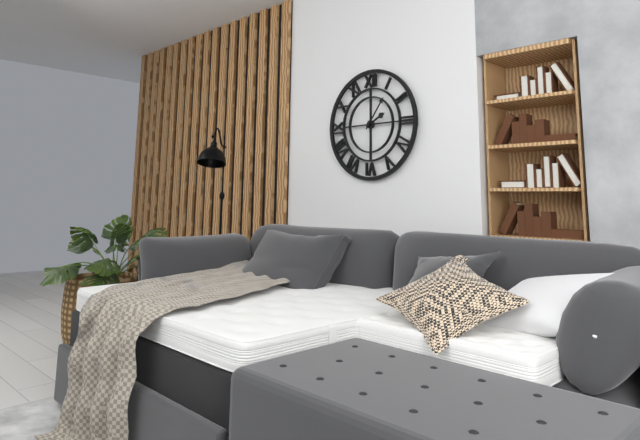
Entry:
h=2 m=6
